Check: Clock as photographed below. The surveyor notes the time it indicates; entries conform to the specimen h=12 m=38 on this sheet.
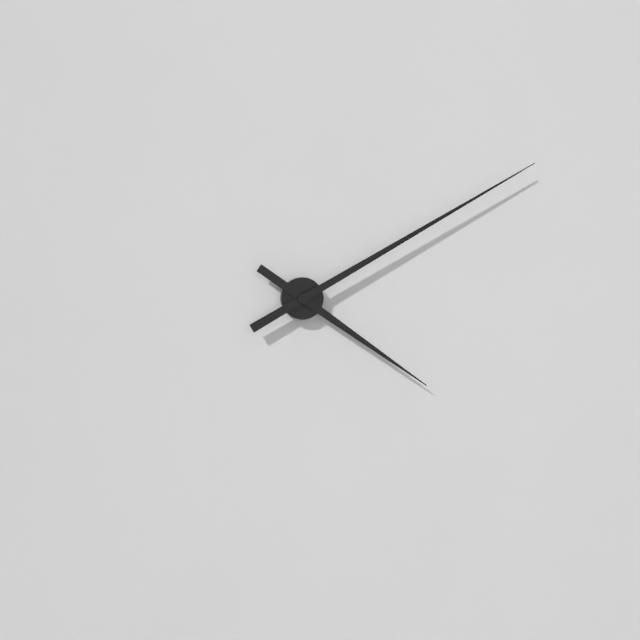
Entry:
h=4 m=10
